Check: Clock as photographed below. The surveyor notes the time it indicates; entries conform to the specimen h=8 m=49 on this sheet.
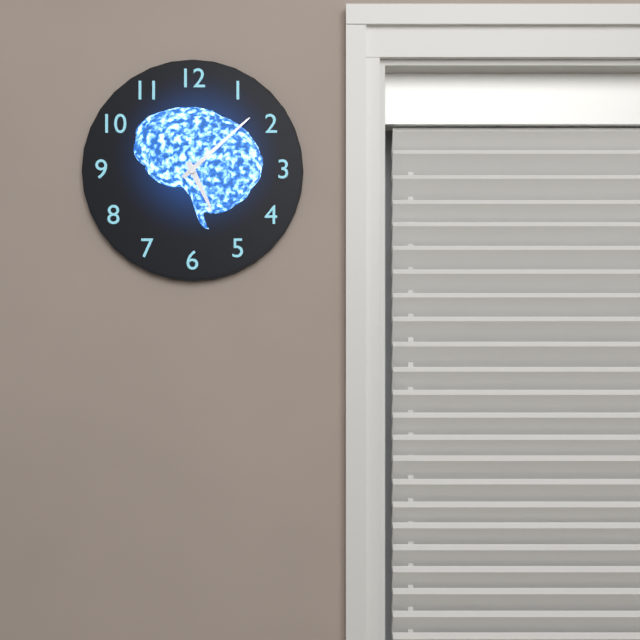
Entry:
h=5 m=8
